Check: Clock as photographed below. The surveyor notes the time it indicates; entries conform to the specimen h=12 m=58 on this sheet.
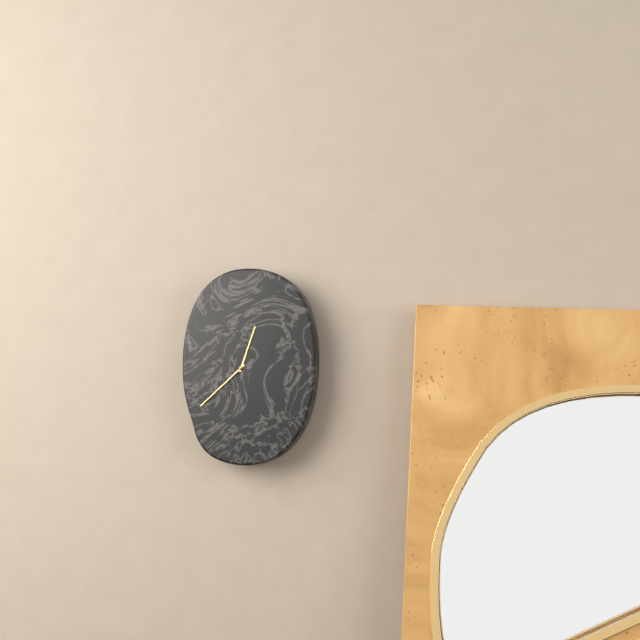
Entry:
h=12 m=38
